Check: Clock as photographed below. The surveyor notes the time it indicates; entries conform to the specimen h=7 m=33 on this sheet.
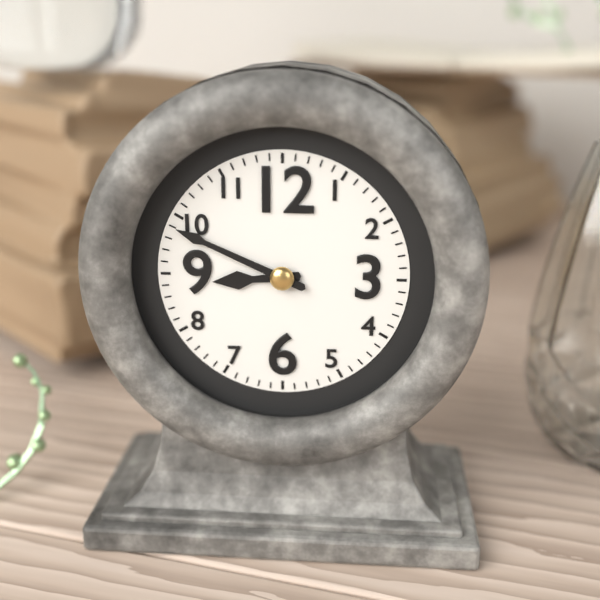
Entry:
h=8 m=49
